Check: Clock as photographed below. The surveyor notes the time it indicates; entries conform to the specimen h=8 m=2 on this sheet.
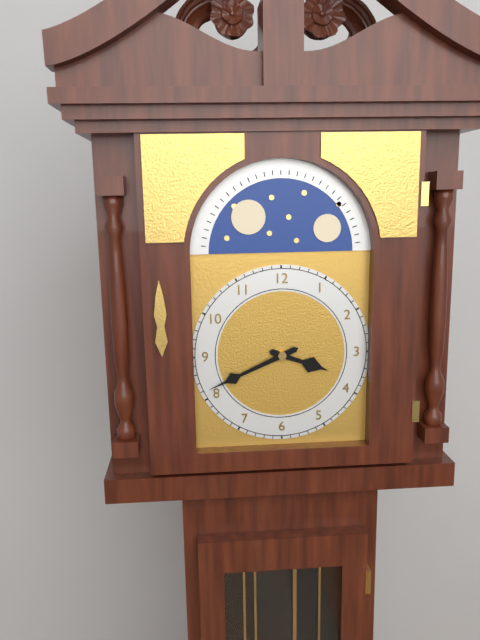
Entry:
h=3 m=41
